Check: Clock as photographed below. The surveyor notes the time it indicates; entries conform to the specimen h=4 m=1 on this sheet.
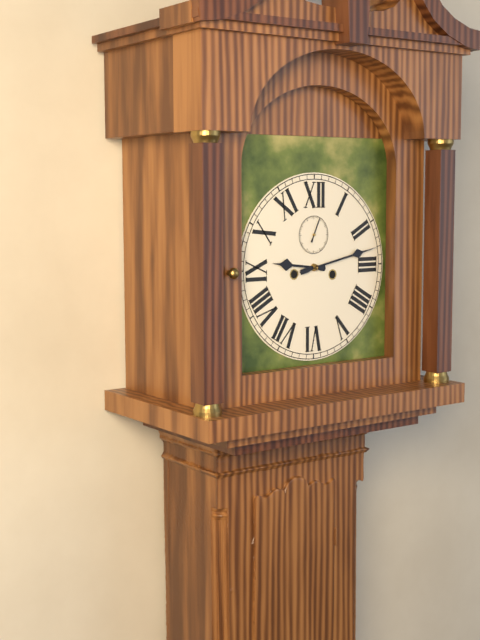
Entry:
h=9 m=13
